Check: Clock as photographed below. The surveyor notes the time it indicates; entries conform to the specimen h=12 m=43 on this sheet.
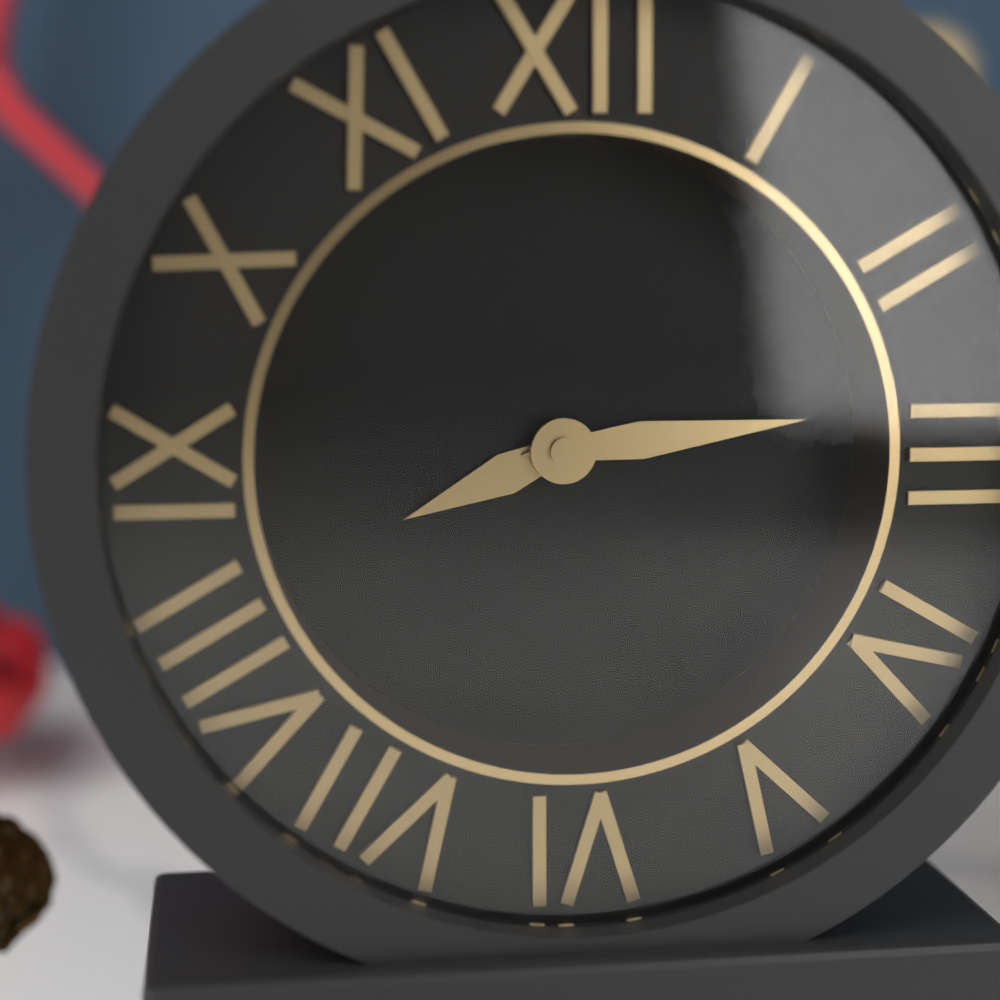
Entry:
h=8 m=14
